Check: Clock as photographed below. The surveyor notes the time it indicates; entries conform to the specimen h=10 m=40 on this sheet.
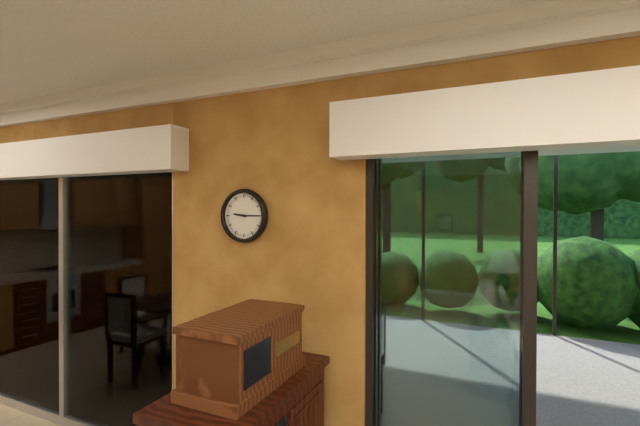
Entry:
h=9 m=15
